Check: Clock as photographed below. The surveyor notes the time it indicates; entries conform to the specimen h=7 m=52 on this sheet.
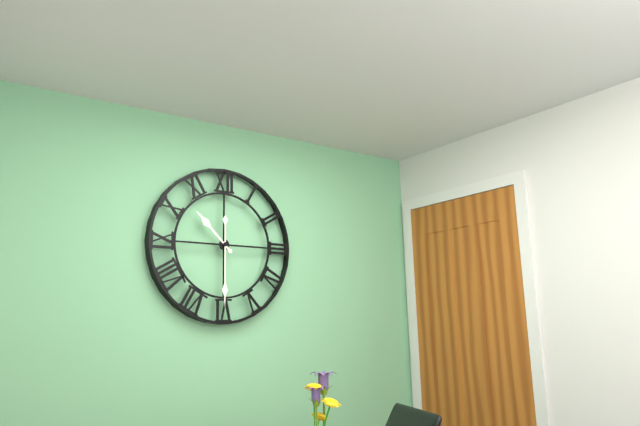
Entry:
h=10 m=30
